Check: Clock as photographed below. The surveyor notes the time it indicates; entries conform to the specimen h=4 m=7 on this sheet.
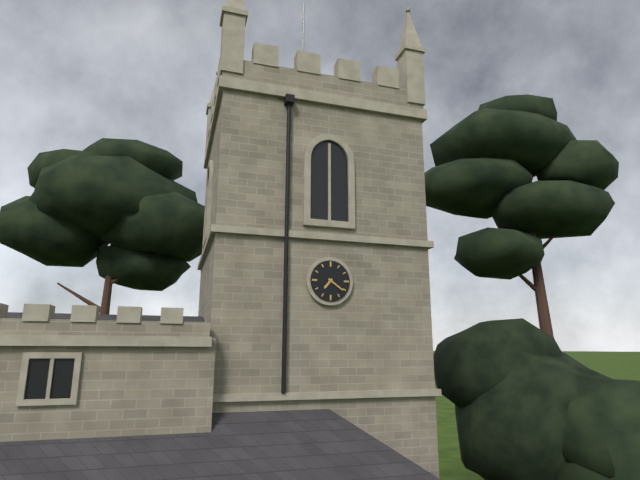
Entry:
h=7 m=21
